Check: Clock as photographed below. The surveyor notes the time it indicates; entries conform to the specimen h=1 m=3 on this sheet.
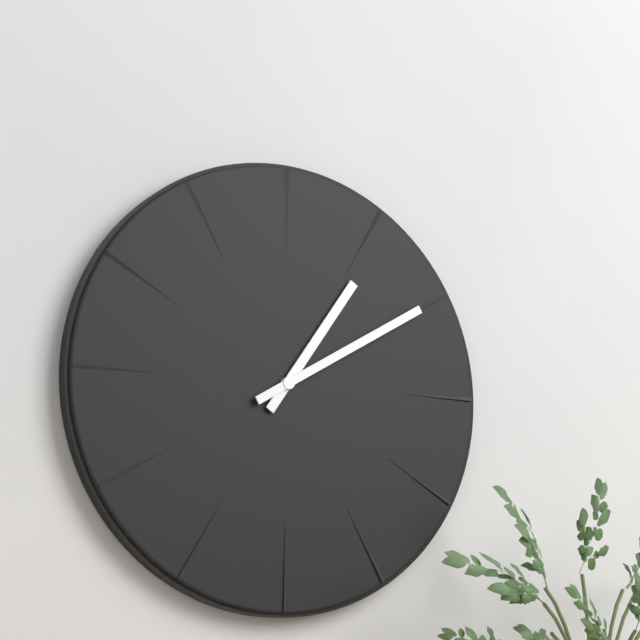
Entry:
h=1 m=10
